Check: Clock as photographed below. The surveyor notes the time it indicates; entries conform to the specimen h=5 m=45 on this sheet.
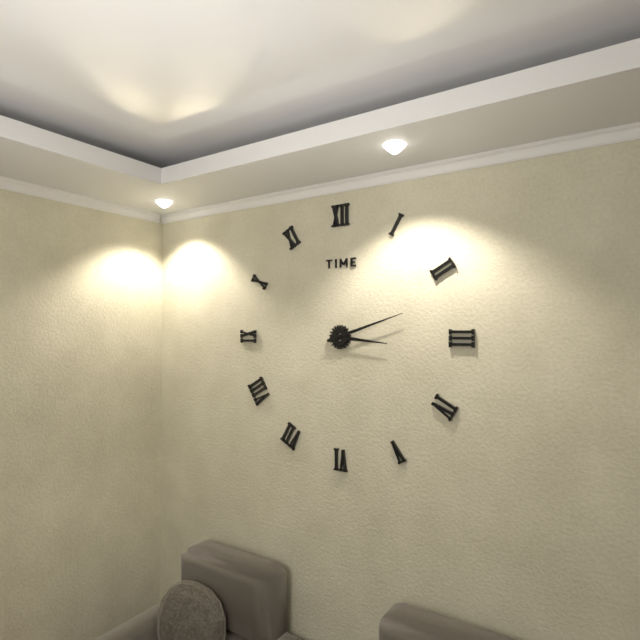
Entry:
h=3 m=12
